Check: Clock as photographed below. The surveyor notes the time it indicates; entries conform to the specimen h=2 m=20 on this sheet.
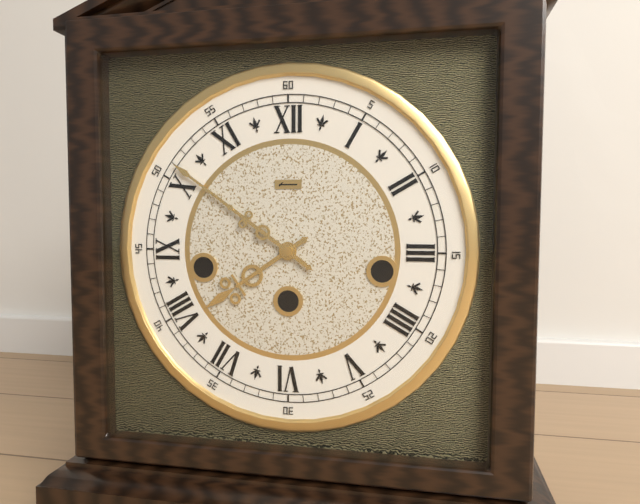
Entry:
h=7 m=51
